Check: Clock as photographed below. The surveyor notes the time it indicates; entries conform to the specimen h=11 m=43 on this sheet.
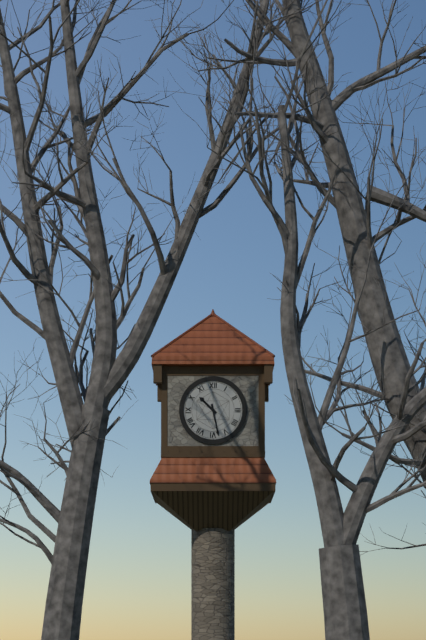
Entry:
h=10 m=28
